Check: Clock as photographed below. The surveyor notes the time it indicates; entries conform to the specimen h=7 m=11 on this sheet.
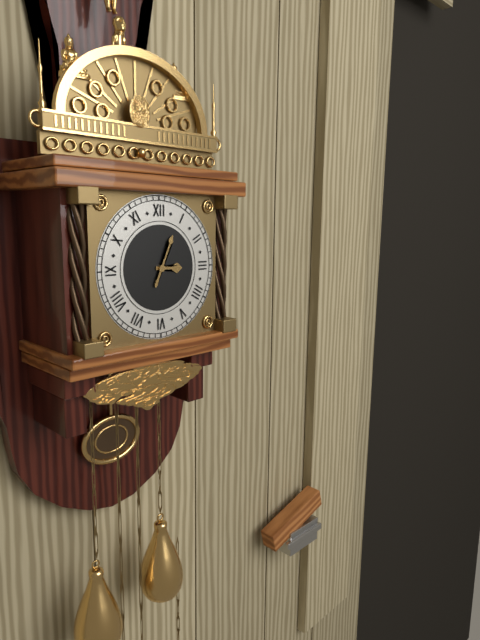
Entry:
h=3 m=4
